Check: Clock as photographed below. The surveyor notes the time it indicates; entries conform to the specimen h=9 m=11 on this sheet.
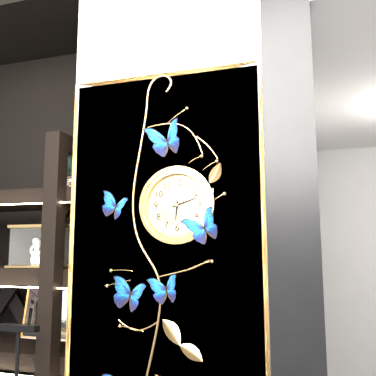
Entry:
h=6 m=12
